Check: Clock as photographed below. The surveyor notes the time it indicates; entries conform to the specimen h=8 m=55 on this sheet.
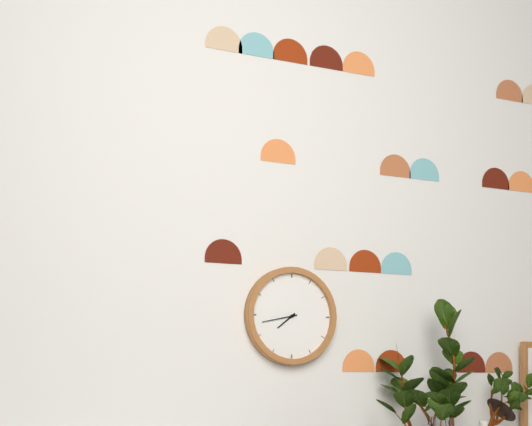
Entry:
h=7 m=43
